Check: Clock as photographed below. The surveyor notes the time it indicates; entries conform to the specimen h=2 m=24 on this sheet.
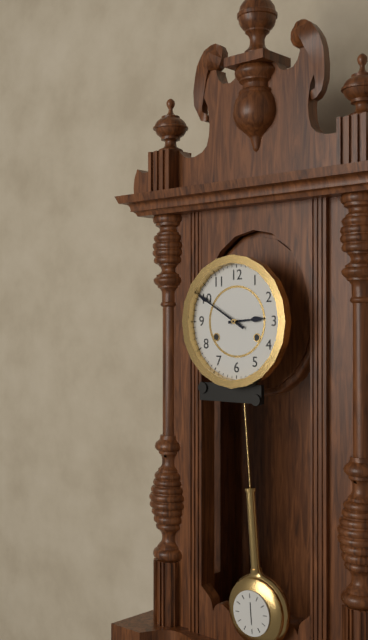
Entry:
h=2 m=50
